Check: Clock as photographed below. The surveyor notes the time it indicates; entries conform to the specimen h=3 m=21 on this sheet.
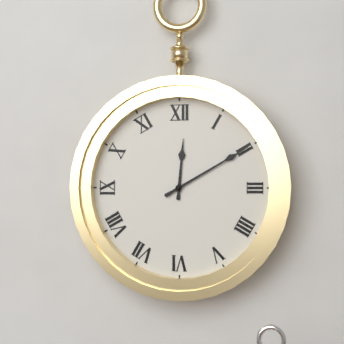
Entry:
h=12 m=10
